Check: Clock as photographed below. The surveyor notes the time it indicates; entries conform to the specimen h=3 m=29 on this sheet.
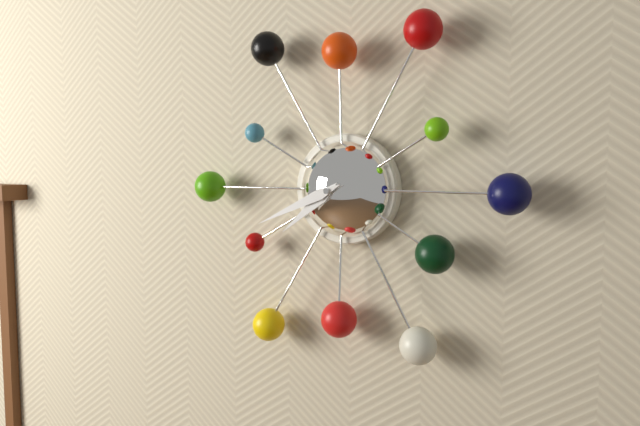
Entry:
h=7 m=41
